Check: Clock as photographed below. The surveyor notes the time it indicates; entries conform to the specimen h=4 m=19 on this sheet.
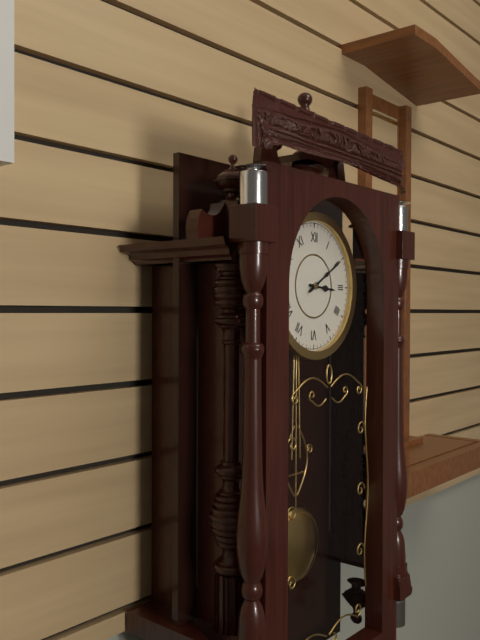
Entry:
h=3 m=10
